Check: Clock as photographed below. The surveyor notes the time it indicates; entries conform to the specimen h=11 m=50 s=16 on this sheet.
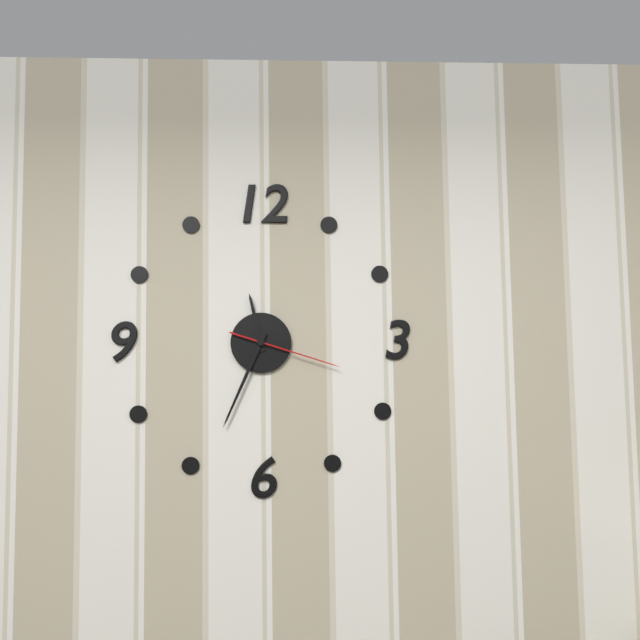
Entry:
h=11 m=34 s=18
